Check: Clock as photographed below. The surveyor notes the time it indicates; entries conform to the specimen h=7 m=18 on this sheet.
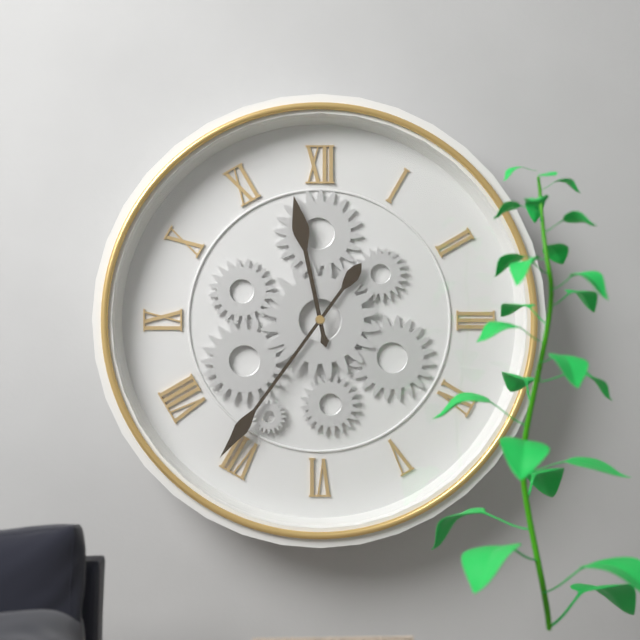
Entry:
h=11 m=36
